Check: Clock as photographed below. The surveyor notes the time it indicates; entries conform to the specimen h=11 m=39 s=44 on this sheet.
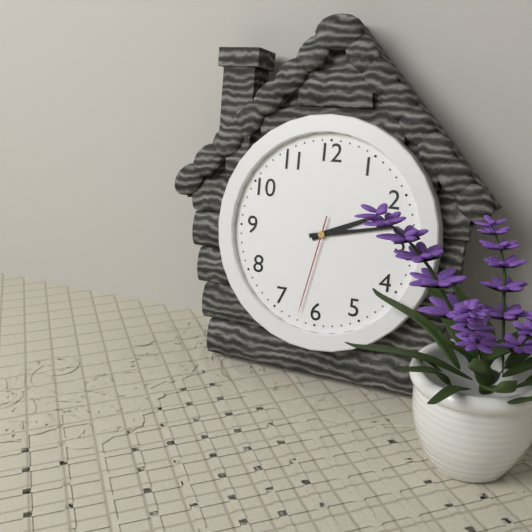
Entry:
h=2 m=13 s=32
